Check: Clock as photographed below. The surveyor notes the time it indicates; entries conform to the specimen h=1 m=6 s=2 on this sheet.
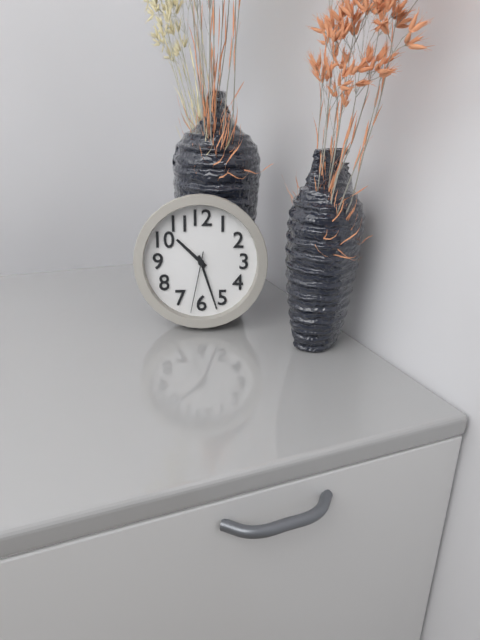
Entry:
h=10 m=27 s=32
